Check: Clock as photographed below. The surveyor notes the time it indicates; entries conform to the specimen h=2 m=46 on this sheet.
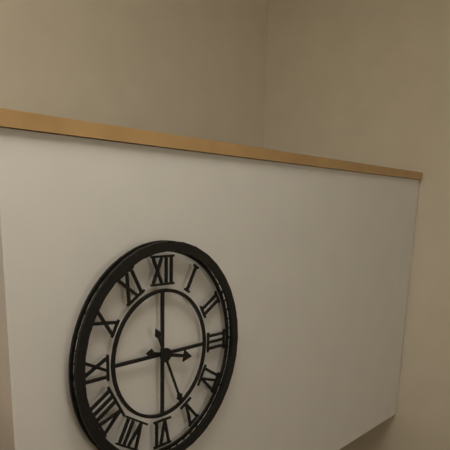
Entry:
h=3 m=26
